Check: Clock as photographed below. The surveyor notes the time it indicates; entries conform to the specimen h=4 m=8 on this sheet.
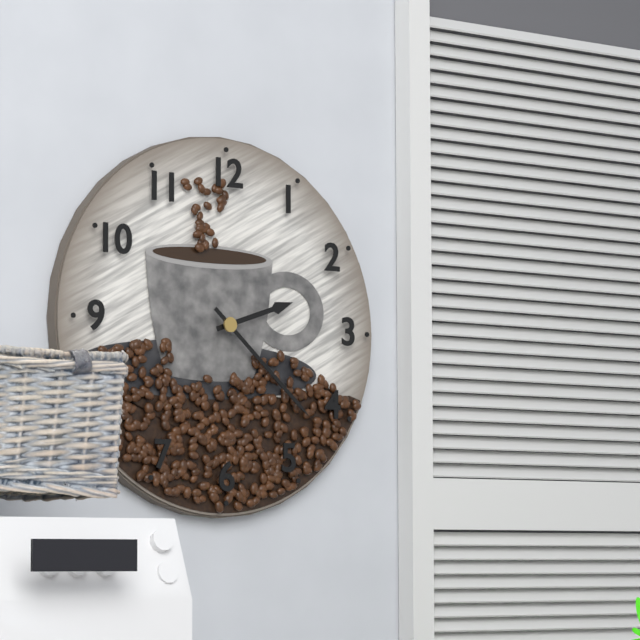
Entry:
h=2 m=22
